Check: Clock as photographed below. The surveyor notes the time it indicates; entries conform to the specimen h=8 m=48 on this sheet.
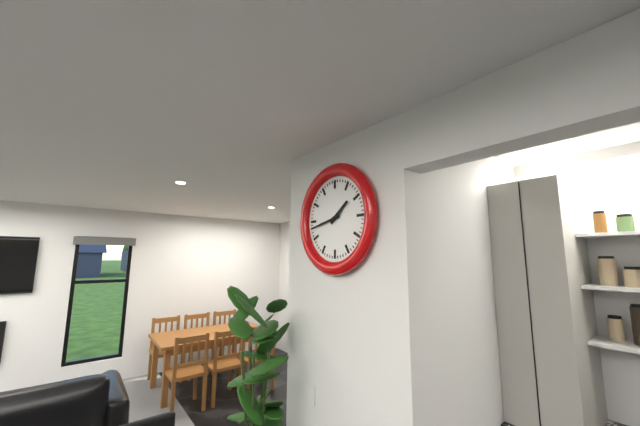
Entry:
h=1 m=43
